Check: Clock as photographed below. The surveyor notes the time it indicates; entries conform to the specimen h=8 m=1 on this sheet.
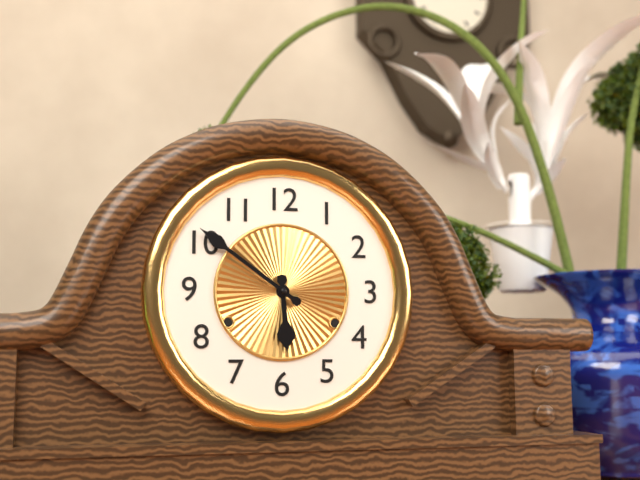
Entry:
h=5 m=51
